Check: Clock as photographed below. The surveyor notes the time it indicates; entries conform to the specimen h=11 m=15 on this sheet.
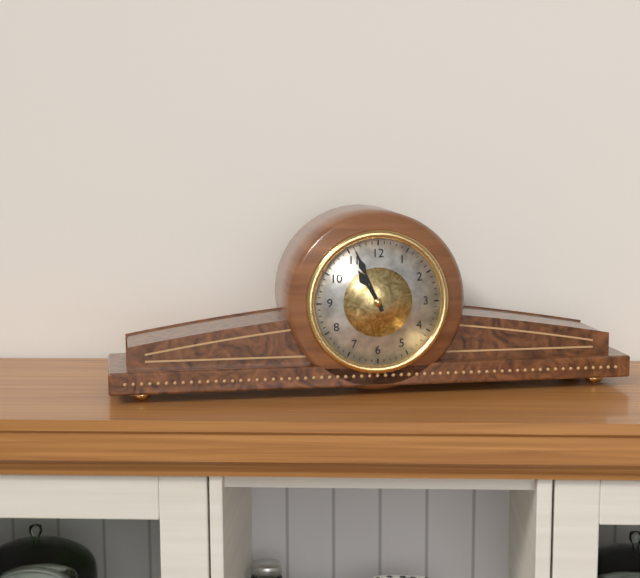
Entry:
h=10 m=56
